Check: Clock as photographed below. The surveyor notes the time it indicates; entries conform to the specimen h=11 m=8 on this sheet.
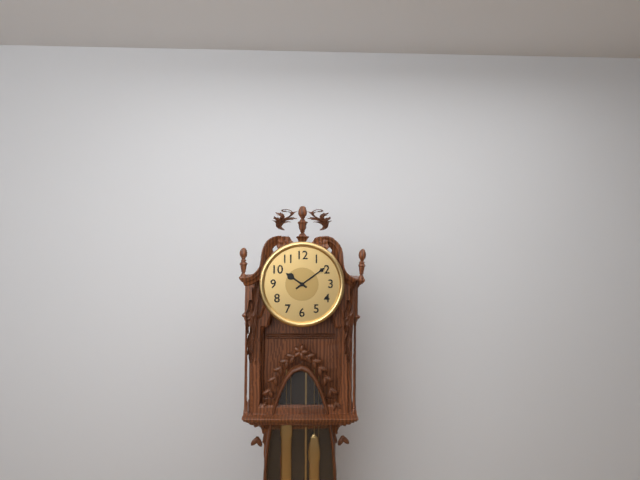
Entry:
h=10 m=9
